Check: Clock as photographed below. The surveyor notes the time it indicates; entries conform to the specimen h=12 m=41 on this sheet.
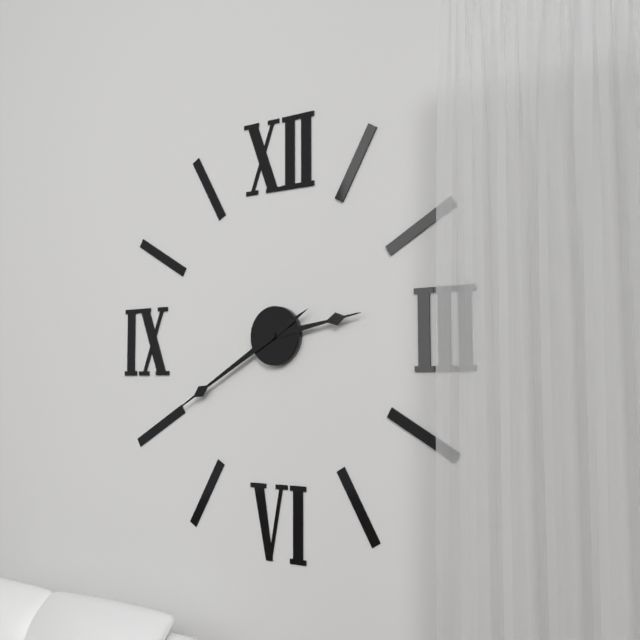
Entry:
h=2 m=40
